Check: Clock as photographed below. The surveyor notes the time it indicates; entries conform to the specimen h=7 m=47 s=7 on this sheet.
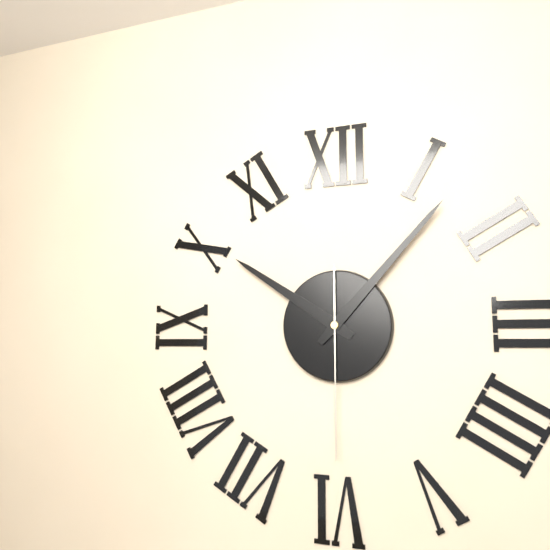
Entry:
h=10 m=7 s=30
